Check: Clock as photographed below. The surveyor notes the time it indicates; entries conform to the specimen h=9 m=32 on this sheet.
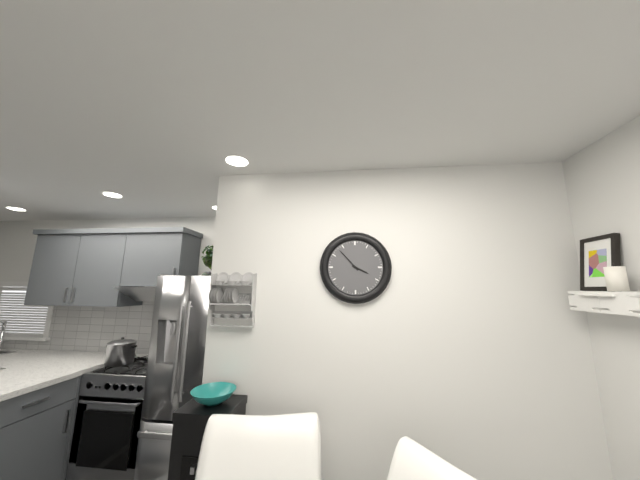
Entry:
h=3 m=53
